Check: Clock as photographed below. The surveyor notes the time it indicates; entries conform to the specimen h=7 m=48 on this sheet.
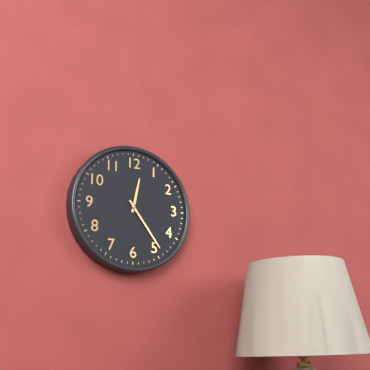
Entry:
h=12 m=24
